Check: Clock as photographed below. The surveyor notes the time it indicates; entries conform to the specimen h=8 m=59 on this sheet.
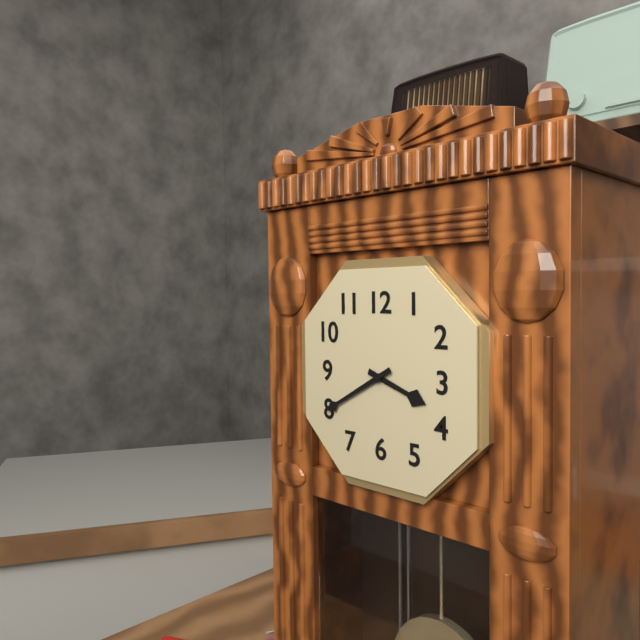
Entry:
h=3 m=40
